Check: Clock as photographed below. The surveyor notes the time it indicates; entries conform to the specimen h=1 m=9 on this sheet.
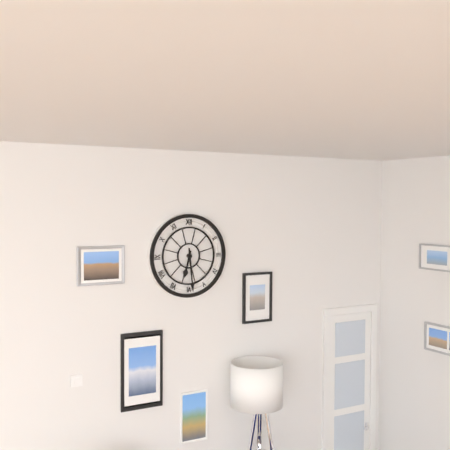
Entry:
h=6 m=29
